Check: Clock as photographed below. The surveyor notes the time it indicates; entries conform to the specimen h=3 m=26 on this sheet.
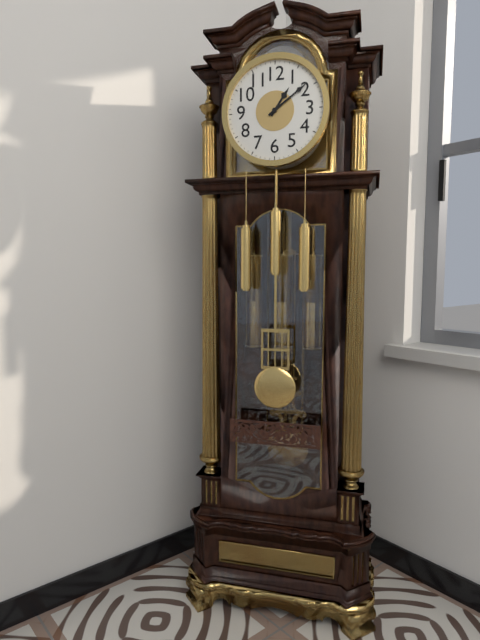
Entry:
h=1 m=9
